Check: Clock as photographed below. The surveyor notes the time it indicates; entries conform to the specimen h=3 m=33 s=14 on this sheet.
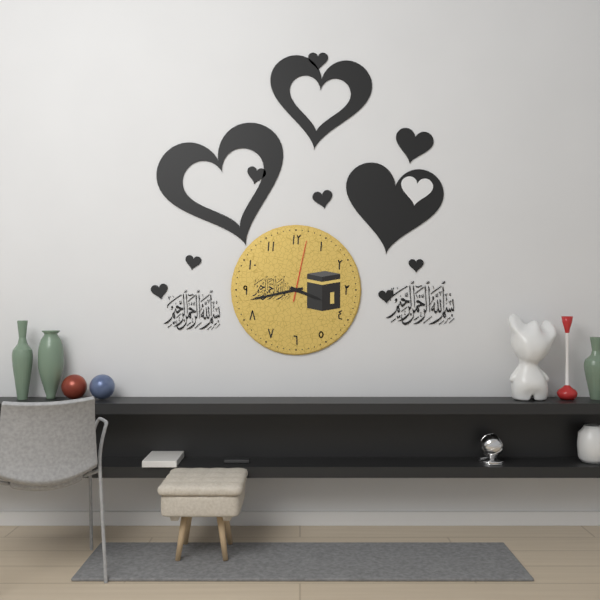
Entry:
h=3 m=43 s=2
